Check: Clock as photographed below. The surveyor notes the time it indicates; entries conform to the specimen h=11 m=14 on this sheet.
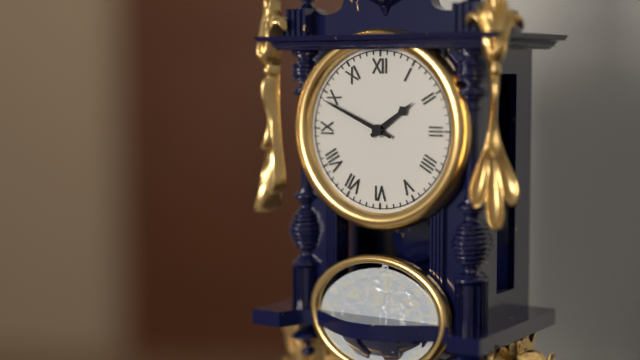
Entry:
h=1 m=49
